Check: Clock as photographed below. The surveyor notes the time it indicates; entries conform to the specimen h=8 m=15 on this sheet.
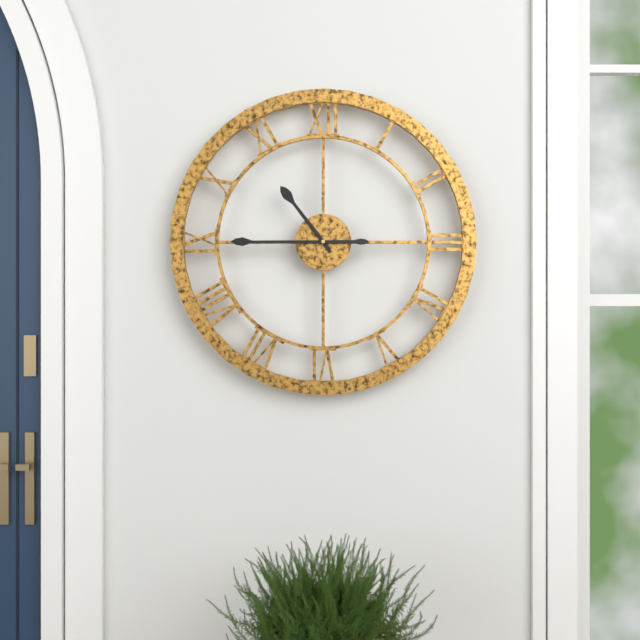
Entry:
h=10 m=45
